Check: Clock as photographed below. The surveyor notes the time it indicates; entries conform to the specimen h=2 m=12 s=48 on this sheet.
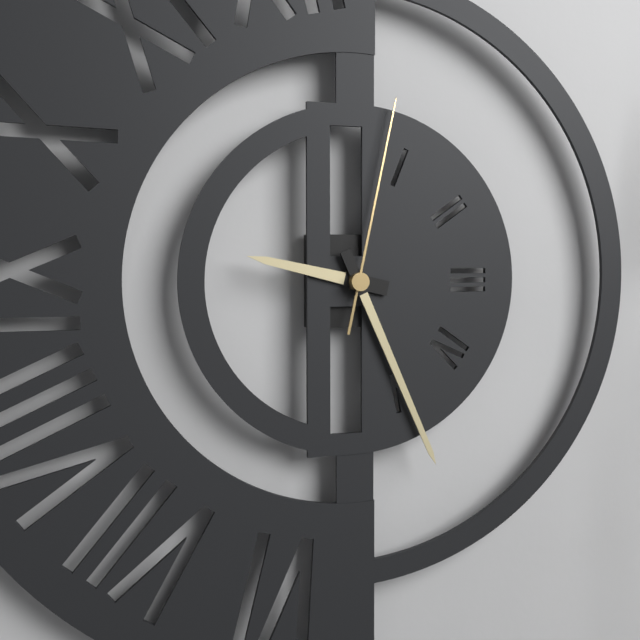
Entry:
h=9 m=26 s=2
